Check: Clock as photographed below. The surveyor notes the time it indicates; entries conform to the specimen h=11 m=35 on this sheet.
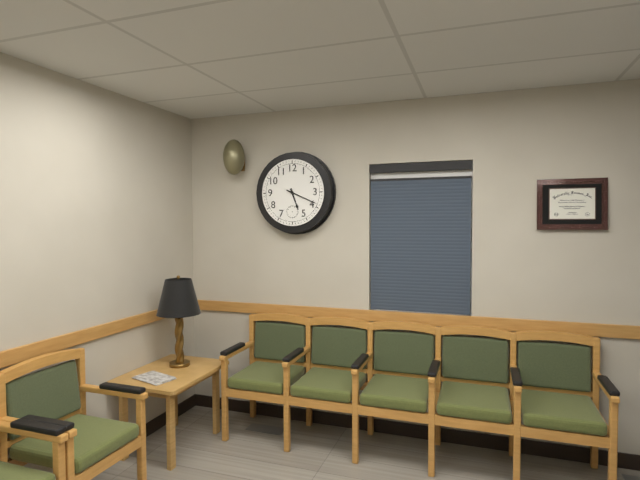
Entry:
h=5 m=19
